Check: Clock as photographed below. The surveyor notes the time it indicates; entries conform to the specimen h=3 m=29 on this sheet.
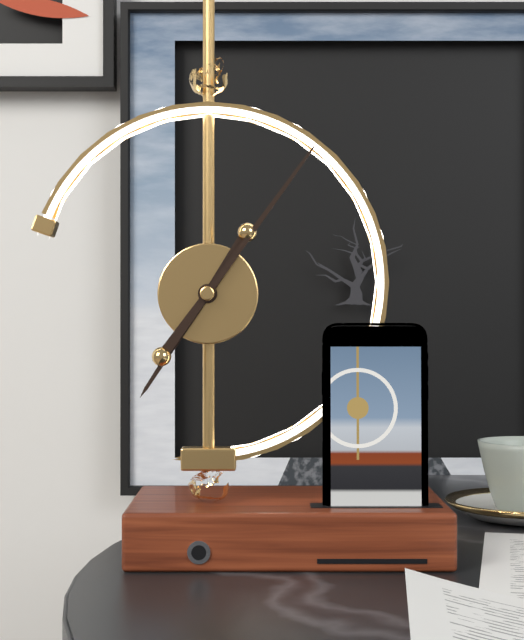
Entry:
h=7 m=6
